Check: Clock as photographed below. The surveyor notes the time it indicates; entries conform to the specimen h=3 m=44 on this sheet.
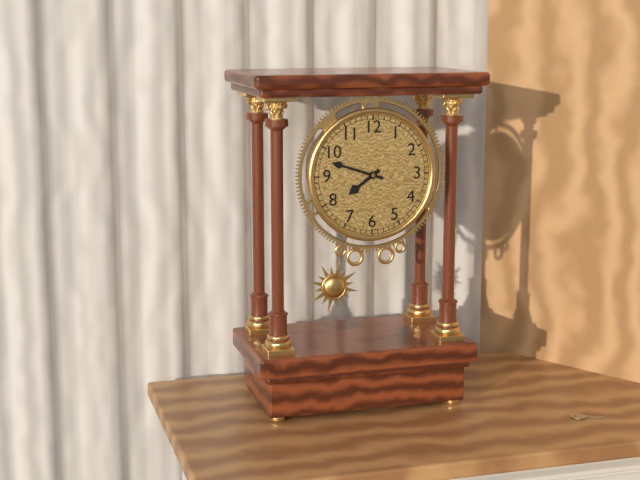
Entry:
h=7 m=48
